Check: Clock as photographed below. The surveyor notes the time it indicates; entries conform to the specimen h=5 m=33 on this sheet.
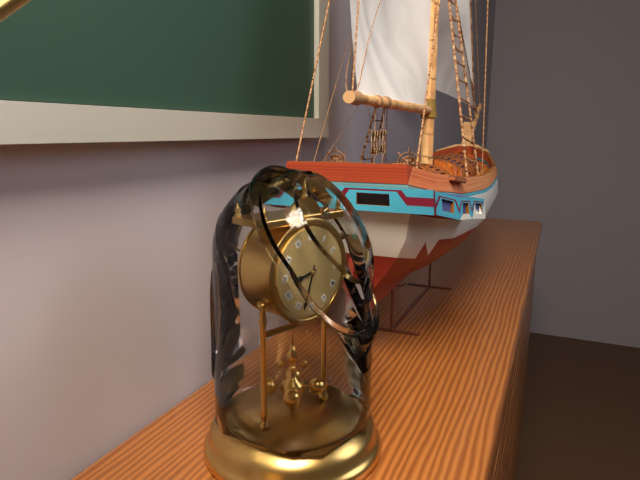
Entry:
h=8 m=33
